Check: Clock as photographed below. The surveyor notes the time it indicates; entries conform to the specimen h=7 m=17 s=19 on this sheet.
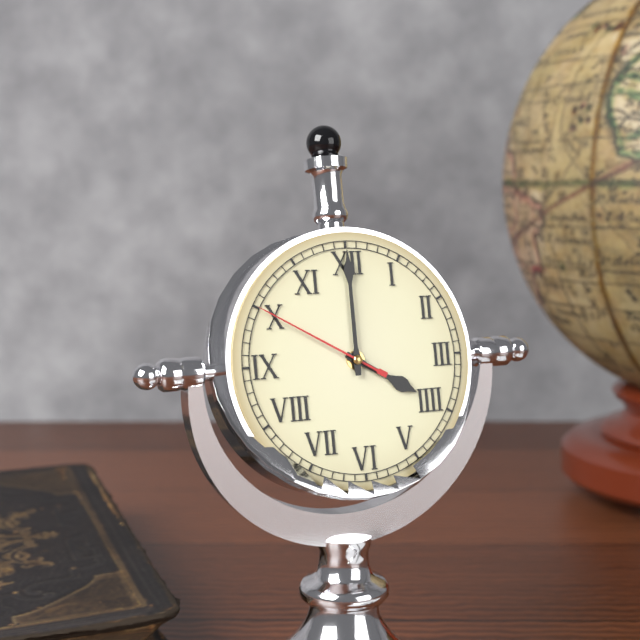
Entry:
h=4 m=0 s=50
